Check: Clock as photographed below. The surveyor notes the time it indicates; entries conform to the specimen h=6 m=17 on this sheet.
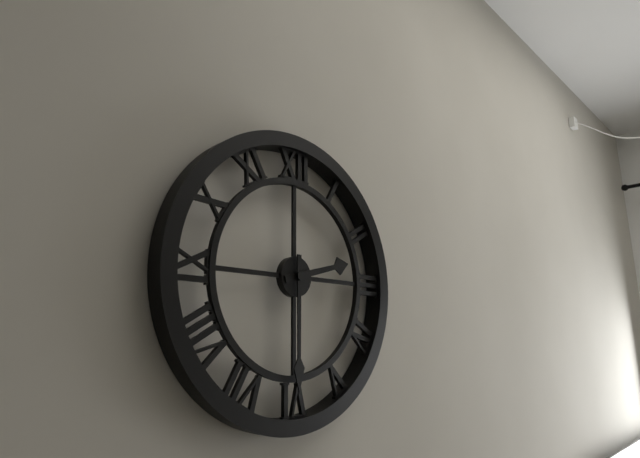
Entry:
h=2 m=30
